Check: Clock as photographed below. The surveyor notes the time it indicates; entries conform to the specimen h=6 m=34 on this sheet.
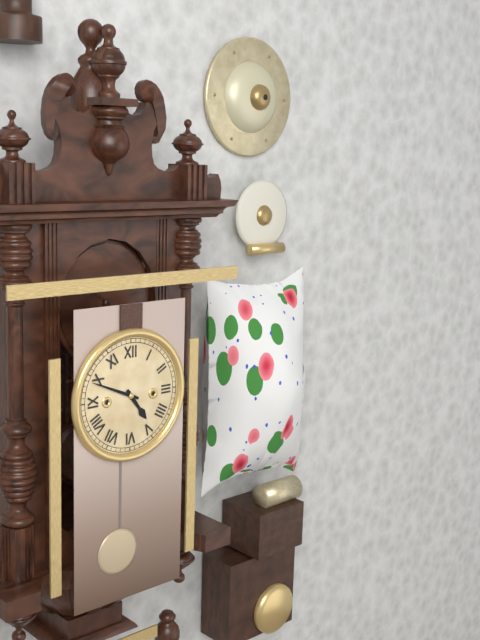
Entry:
h=4 m=49
